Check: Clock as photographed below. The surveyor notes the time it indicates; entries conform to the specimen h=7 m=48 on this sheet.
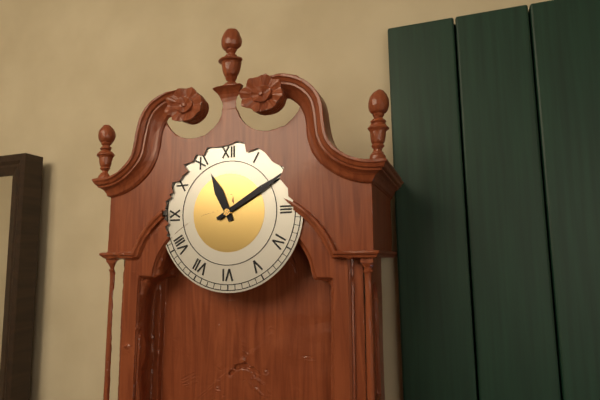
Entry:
h=11 m=10
